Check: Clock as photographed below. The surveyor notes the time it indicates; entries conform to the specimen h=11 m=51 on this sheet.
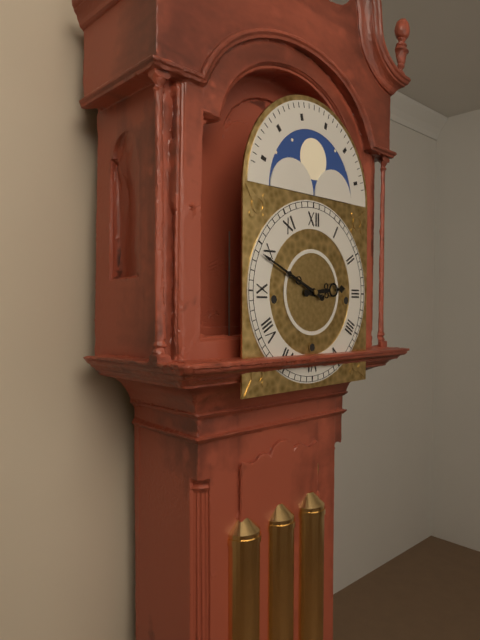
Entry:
h=2 m=49
